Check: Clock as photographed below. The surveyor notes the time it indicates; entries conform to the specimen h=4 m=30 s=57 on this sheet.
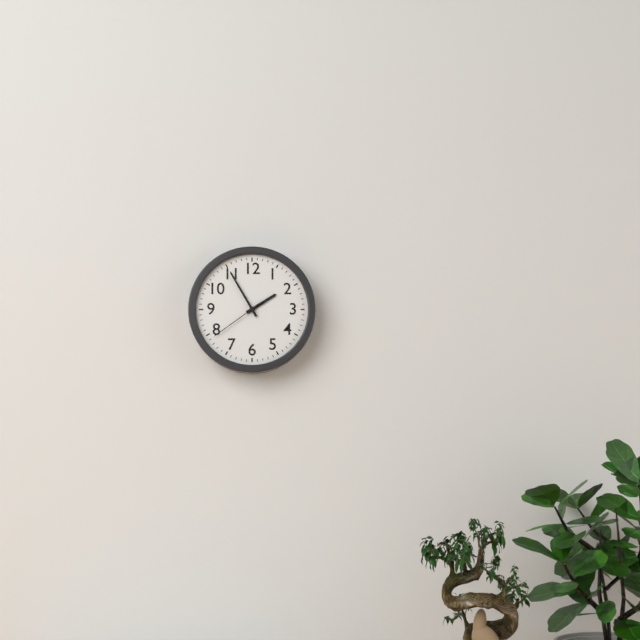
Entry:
h=1 m=55 s=39
